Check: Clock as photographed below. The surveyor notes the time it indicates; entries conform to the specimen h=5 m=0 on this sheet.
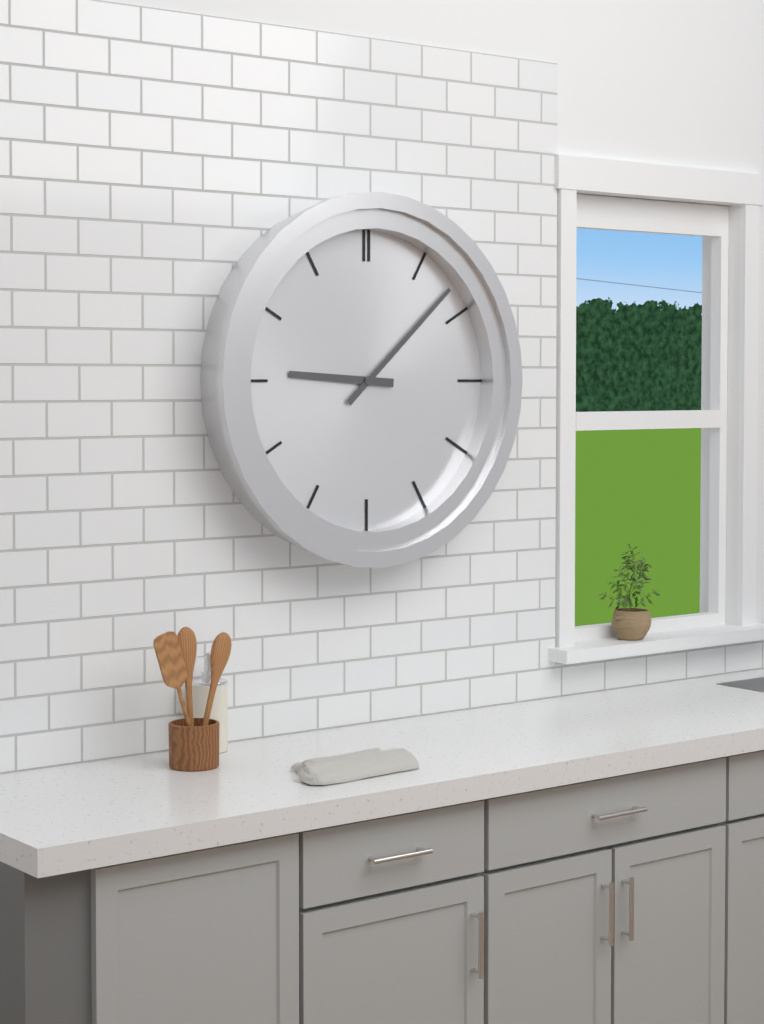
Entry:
h=9 m=8
